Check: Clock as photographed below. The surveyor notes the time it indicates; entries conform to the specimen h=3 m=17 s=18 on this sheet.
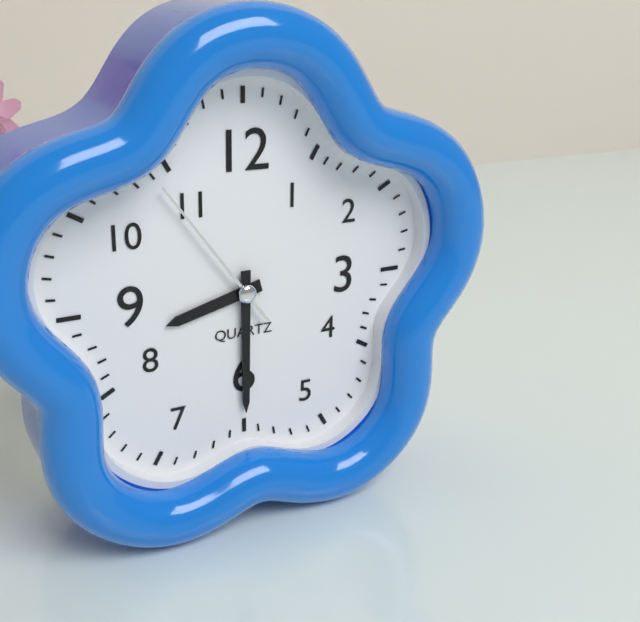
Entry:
h=8 m=30 s=54
